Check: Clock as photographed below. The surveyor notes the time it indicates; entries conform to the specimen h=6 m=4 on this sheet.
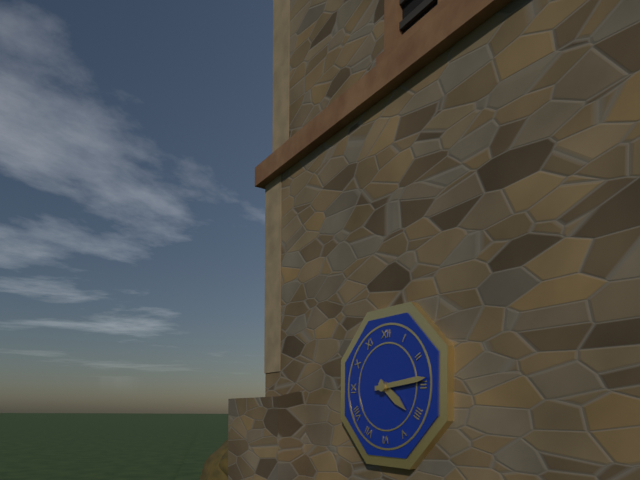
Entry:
h=4 m=14
